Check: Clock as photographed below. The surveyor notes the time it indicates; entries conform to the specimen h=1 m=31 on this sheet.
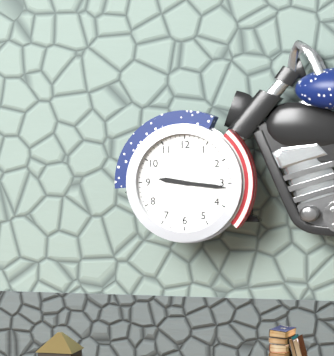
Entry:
h=9 m=16
